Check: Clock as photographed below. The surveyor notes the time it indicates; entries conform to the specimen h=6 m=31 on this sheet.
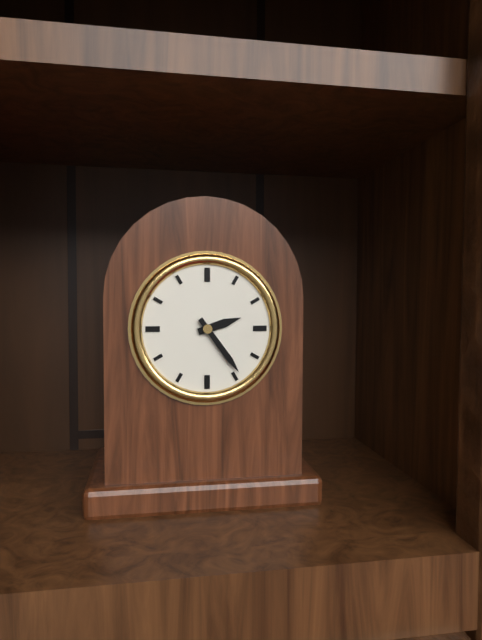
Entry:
h=2 m=24
